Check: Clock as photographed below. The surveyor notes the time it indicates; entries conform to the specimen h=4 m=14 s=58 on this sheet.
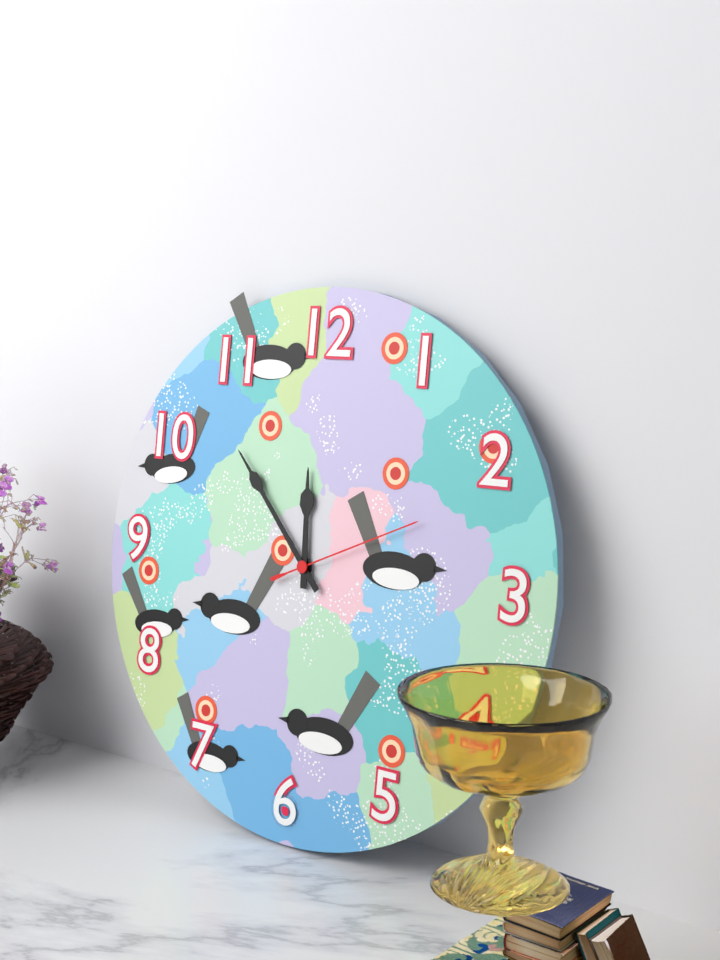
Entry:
h=11 m=53 s=11
